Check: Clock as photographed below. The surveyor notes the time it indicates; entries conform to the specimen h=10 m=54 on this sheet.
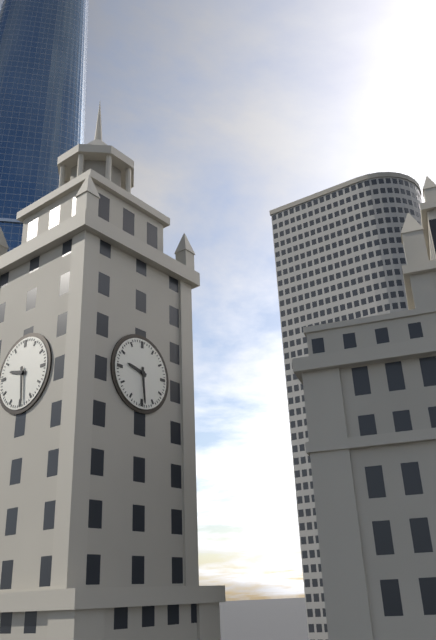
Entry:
h=9 m=29
